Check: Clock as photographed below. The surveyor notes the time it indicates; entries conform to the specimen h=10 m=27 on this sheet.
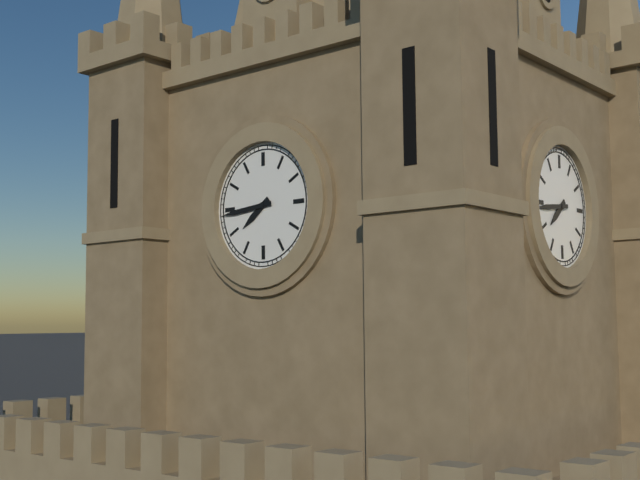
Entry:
h=7 m=44
